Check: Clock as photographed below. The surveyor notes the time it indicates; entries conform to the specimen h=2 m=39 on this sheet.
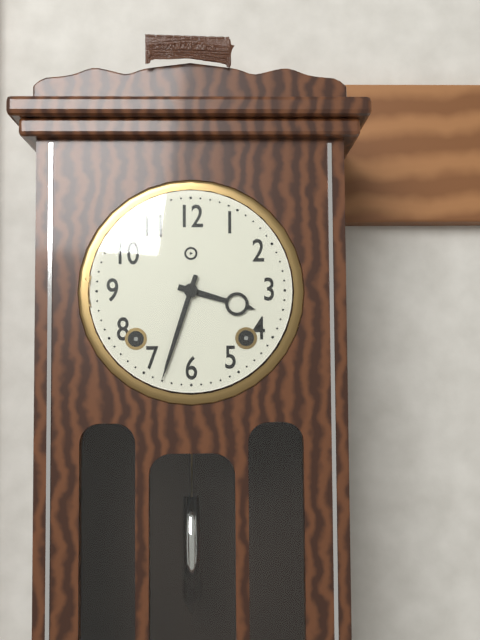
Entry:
h=3 m=33
